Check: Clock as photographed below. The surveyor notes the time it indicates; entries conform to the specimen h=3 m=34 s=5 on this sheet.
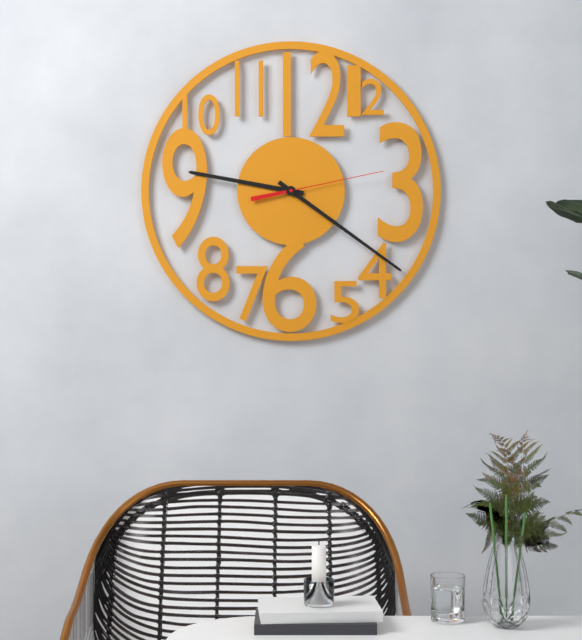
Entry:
h=9 m=21 s=13
